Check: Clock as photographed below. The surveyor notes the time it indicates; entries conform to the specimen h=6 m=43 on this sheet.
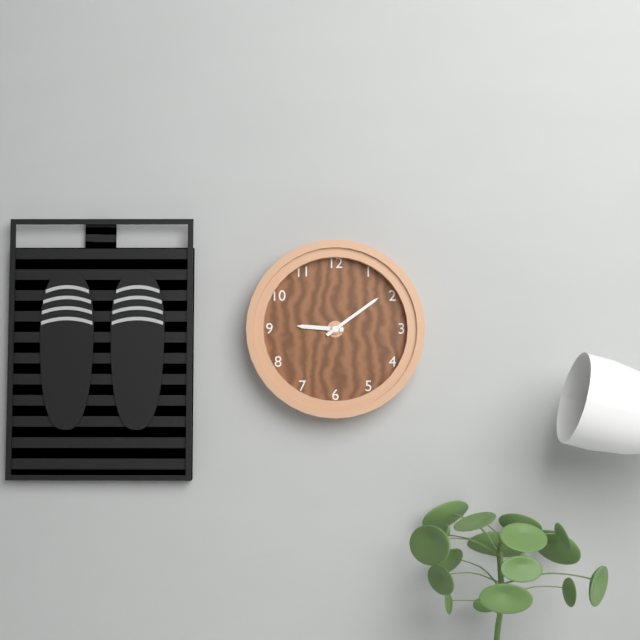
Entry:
h=9 m=9
